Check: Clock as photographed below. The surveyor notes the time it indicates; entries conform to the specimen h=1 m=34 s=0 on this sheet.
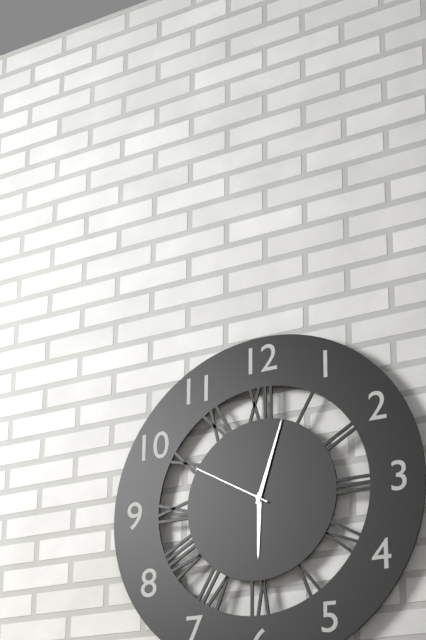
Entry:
h=6 m=3 s=50
